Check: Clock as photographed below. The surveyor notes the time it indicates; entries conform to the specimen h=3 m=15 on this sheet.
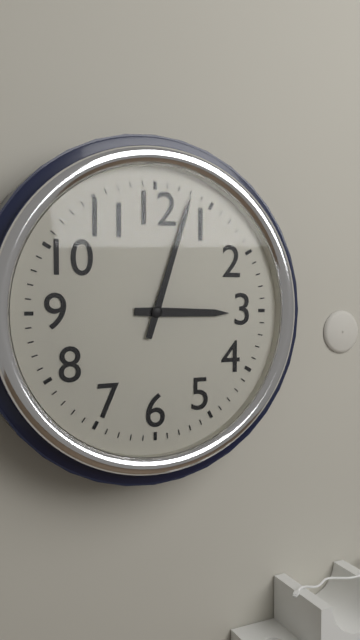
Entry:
h=3 m=3
